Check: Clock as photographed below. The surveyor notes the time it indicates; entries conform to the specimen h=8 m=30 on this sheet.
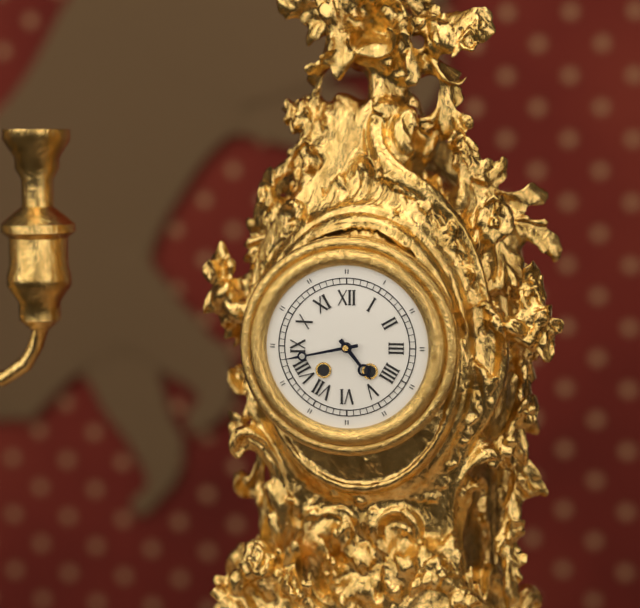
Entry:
h=4 m=43
